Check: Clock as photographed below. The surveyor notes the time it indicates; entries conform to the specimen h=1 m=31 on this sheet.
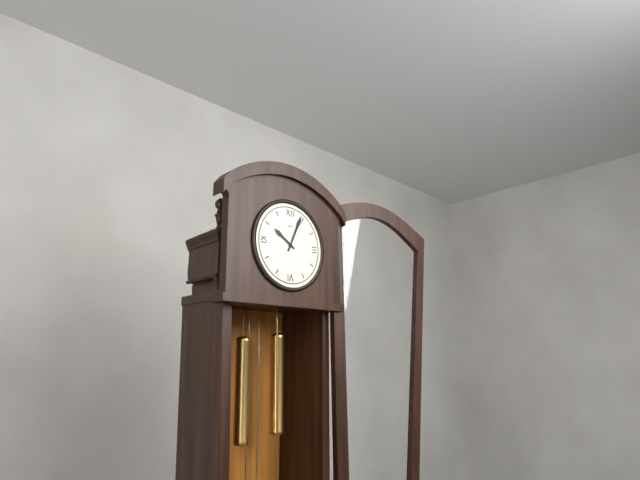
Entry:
h=10 m=4
